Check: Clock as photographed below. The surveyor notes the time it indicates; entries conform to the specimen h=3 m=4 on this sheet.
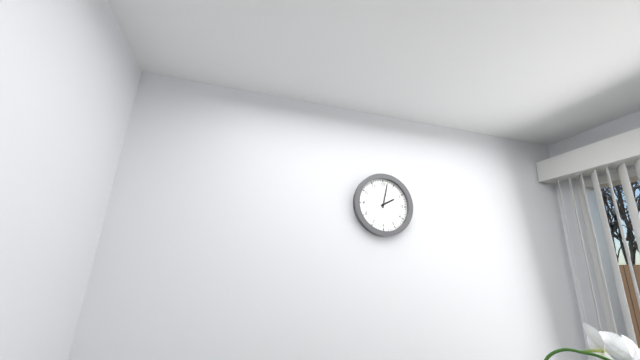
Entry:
h=2 m=2
